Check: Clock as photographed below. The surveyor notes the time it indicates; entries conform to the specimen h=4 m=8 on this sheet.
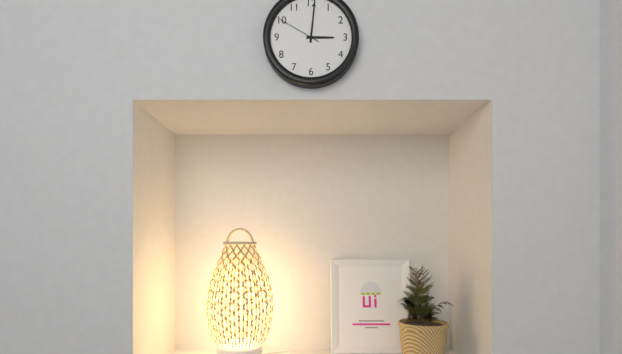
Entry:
h=3 m=1
